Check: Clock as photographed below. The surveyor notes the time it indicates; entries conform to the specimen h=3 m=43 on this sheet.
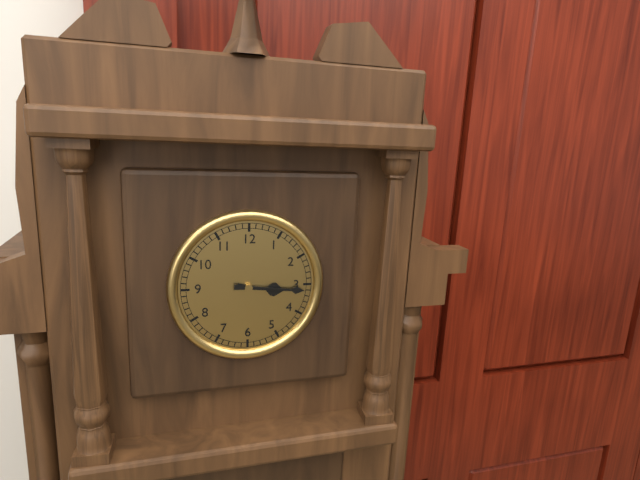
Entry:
h=3 m=16
